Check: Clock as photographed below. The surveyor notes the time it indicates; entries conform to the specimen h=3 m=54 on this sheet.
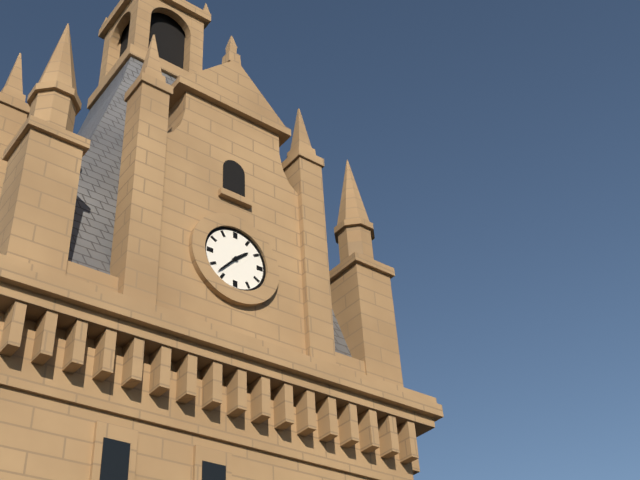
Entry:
h=1 m=37
